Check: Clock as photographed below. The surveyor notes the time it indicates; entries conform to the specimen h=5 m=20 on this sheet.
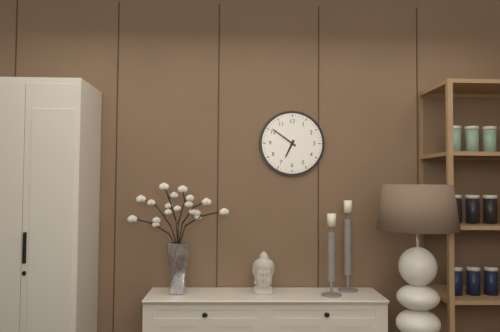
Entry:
h=6 m=51
